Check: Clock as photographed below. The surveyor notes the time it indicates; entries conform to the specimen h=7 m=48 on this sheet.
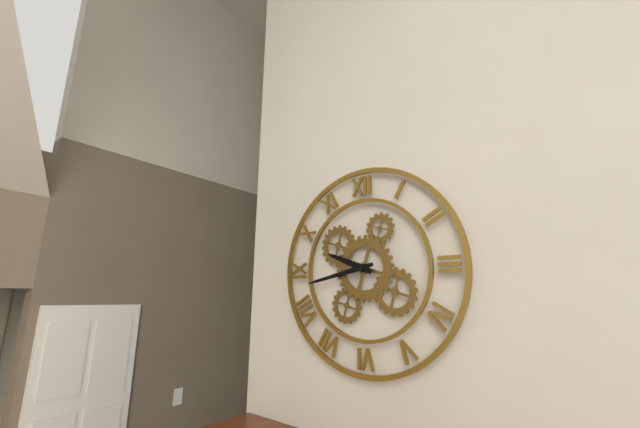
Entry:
h=9 m=43
